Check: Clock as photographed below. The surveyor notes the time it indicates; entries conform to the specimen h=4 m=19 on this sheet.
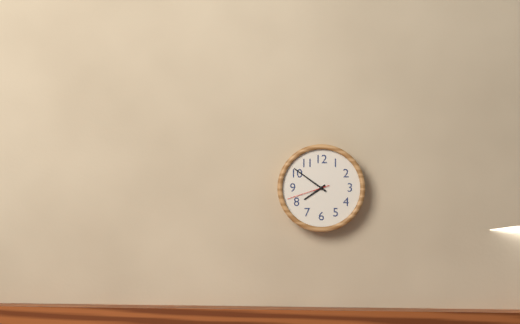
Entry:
h=7 m=51
